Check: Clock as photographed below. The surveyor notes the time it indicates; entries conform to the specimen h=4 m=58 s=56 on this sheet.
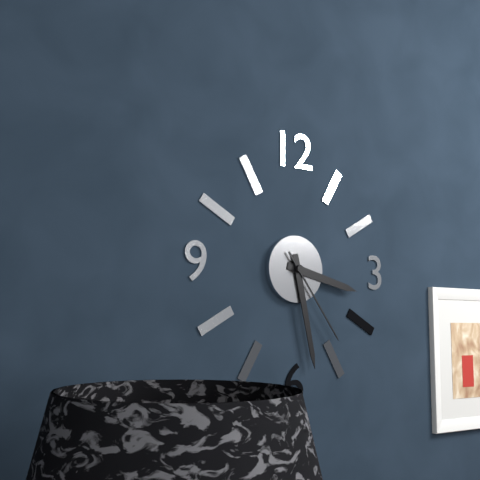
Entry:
h=3 m=28 s=24
